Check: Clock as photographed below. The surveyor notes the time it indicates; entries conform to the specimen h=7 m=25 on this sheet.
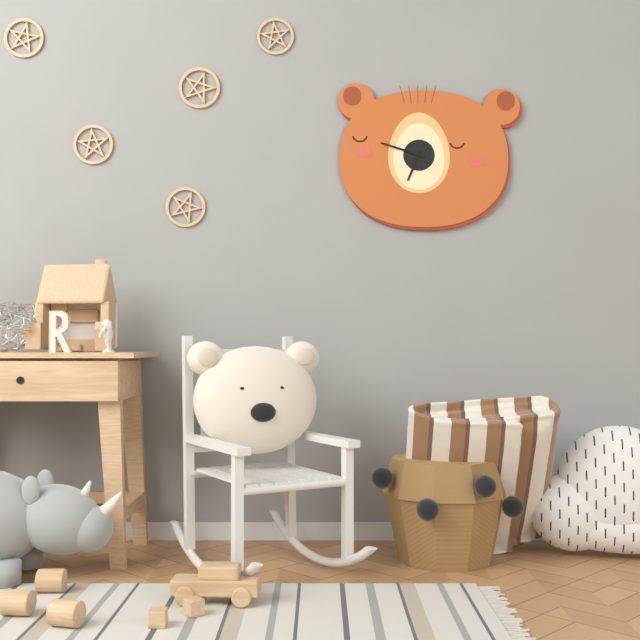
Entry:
h=6 m=48
